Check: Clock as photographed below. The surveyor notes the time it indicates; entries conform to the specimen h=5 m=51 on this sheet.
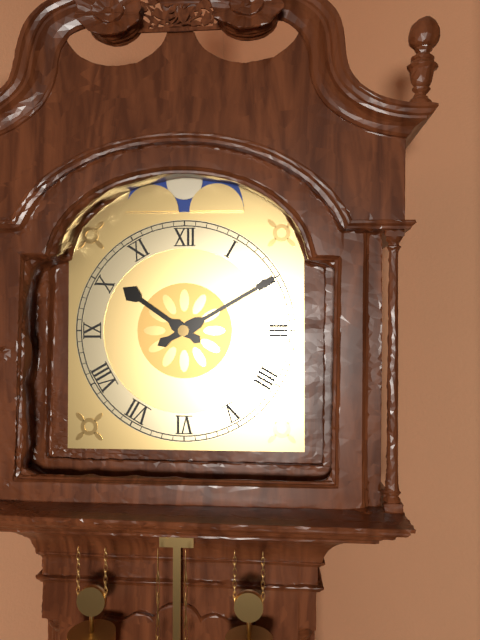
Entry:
h=10 m=10
